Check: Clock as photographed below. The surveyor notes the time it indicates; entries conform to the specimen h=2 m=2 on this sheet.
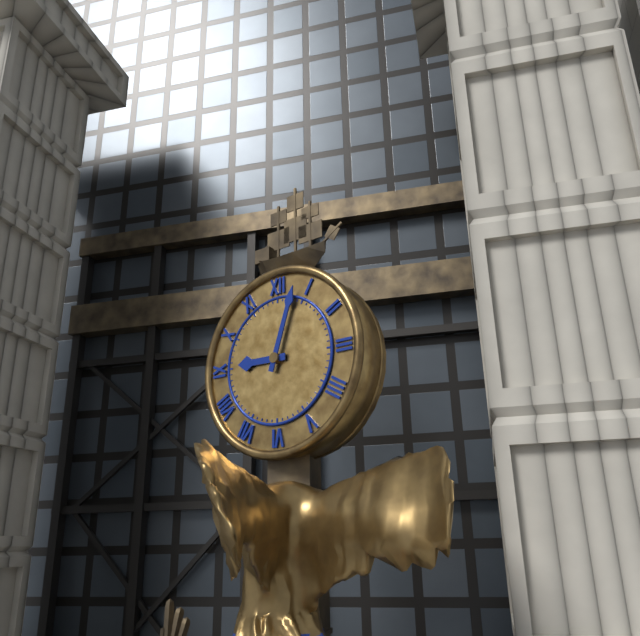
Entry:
h=9 m=3
